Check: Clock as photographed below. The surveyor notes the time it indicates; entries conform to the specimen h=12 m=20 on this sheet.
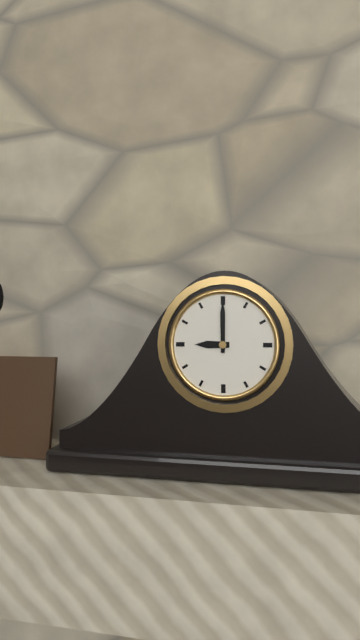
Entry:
h=9 m=0
